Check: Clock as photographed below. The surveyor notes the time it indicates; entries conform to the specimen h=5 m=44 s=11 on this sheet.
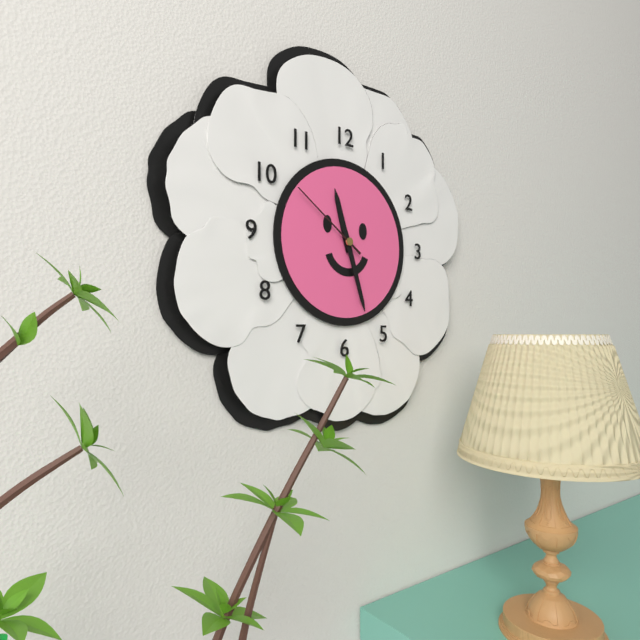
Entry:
h=11 m=27 s=51
